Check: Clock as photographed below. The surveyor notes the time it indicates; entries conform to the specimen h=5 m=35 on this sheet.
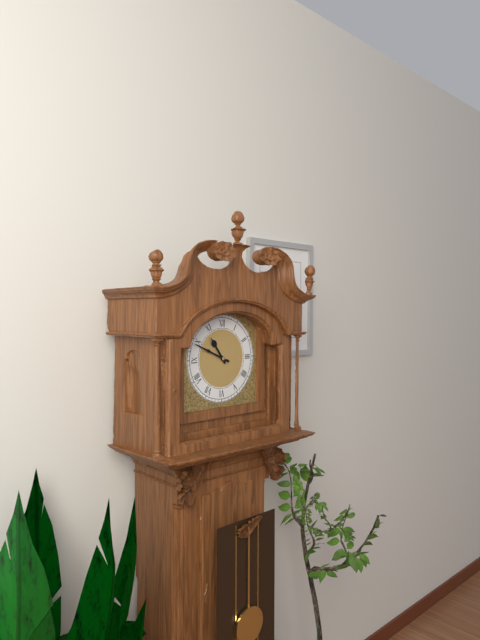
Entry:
h=10 m=49
